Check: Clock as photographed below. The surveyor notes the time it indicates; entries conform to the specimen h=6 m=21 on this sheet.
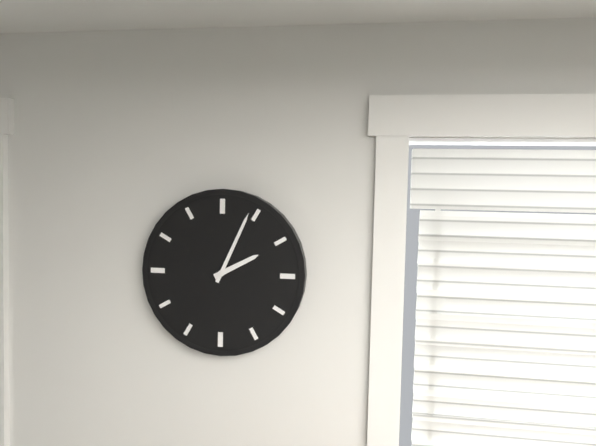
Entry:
h=2 m=4
